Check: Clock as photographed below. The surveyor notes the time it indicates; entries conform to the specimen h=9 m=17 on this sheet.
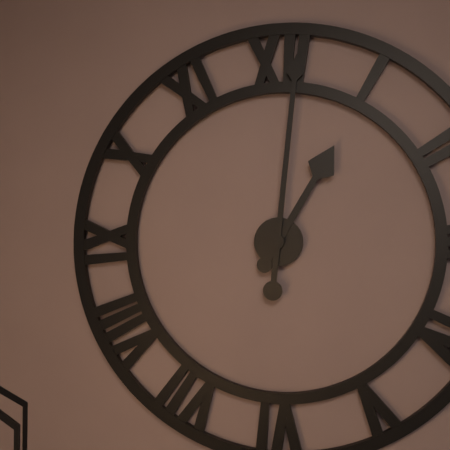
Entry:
h=1 m=1
